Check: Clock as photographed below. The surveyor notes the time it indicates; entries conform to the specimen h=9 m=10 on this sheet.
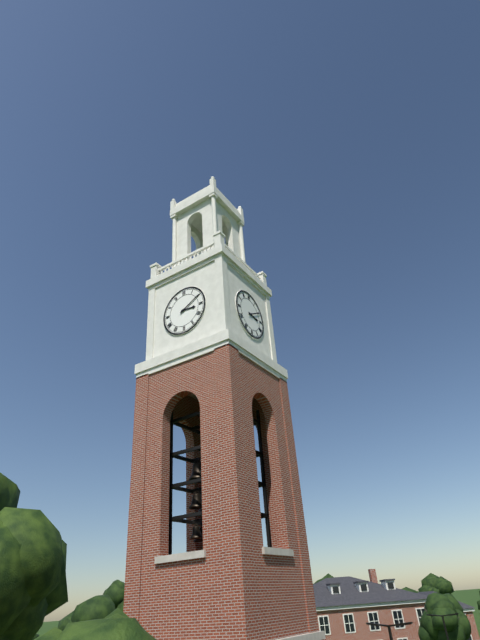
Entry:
h=3 m=10
